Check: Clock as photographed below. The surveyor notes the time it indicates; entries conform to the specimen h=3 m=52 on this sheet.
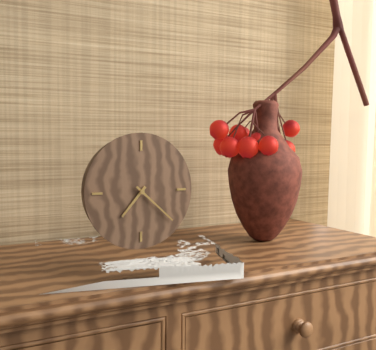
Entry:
h=7 m=22
